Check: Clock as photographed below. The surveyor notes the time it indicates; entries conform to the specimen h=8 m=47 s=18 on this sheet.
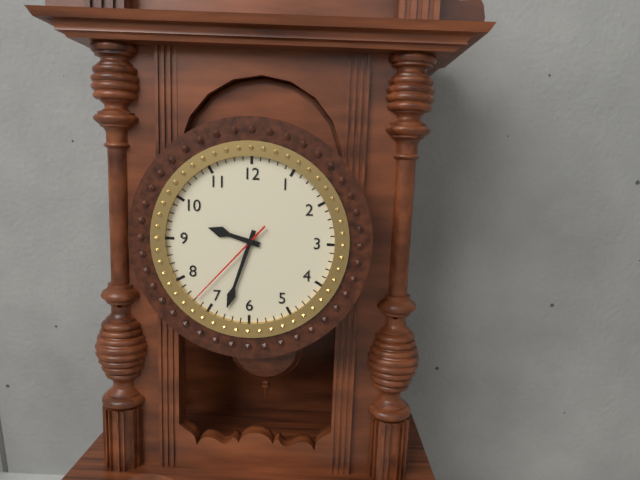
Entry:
h=9 m=33 s=37
